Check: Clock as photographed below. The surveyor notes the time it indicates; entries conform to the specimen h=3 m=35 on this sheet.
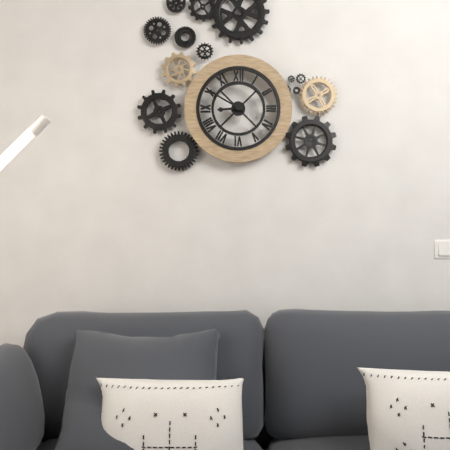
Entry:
h=8 m=50
